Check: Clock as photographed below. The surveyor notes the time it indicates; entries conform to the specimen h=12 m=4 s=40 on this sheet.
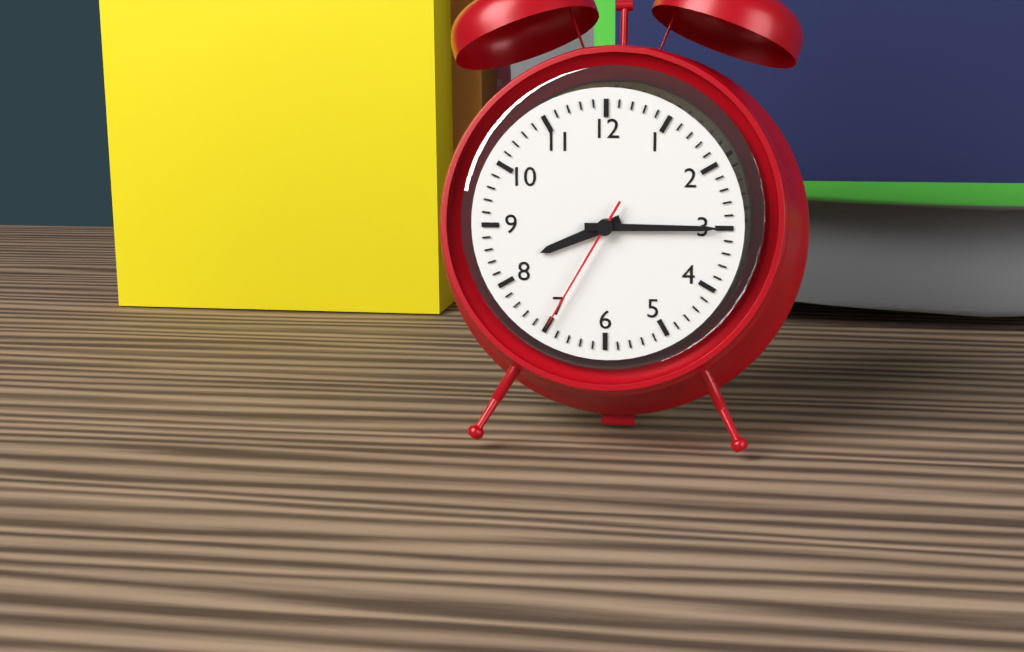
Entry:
h=8 m=15 s=35
